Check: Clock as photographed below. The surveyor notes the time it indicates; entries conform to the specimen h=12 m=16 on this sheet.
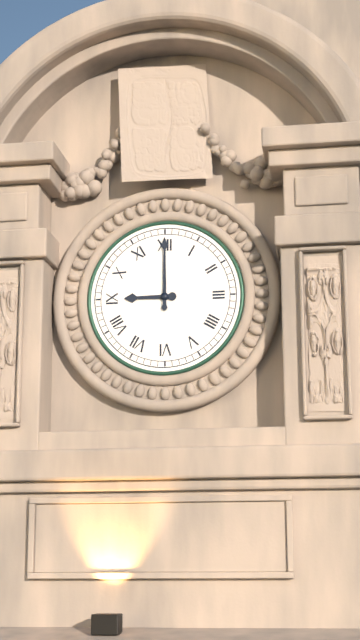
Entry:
h=9 m=0
